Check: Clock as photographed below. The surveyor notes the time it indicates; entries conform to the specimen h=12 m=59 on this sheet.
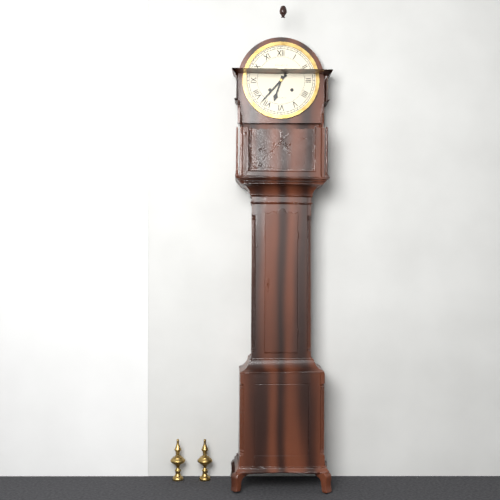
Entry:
h=6 m=37
